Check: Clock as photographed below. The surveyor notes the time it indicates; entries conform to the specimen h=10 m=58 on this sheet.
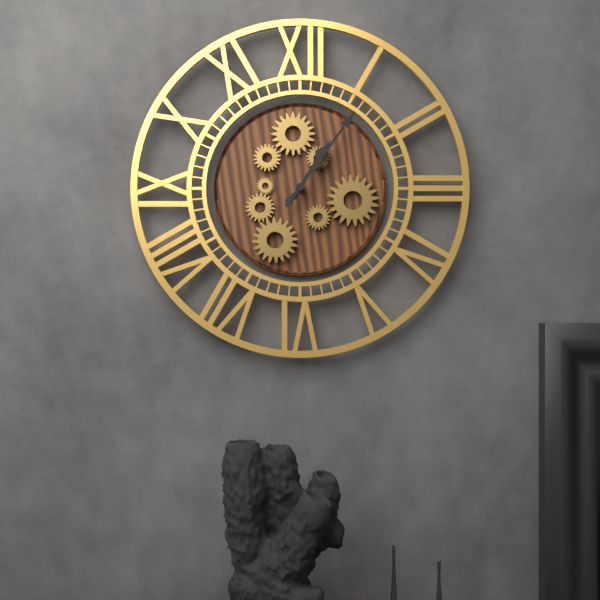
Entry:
h=1 m=6
